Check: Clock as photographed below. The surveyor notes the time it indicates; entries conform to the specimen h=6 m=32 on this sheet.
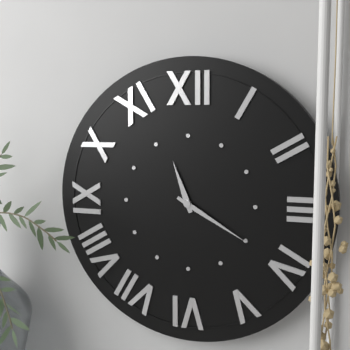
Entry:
h=11 m=20
